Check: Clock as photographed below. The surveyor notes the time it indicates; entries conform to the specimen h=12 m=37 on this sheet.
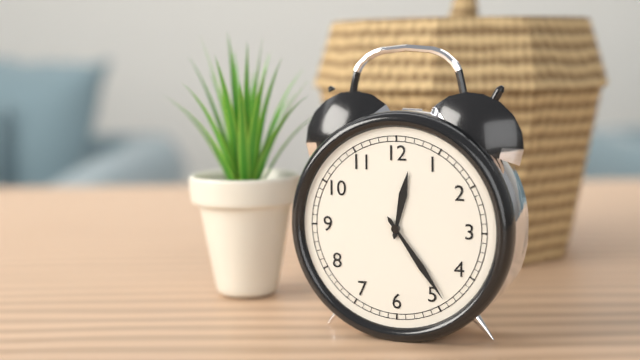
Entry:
h=12 m=24
